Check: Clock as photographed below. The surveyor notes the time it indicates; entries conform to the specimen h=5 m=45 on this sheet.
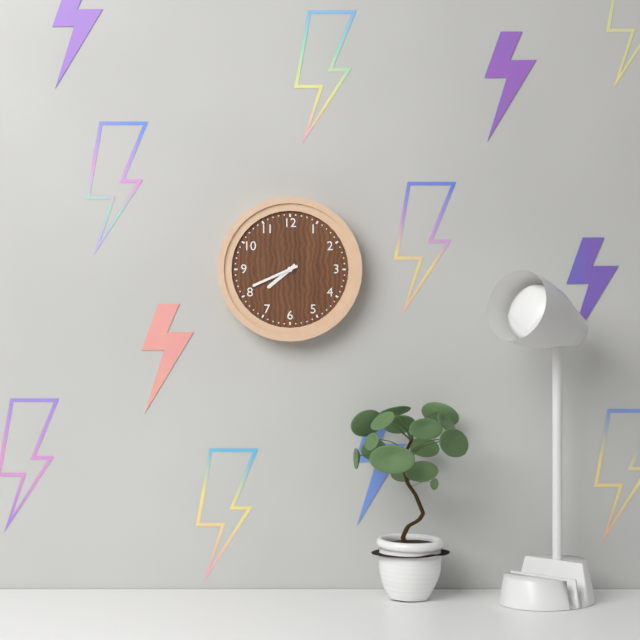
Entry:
h=7 m=41
